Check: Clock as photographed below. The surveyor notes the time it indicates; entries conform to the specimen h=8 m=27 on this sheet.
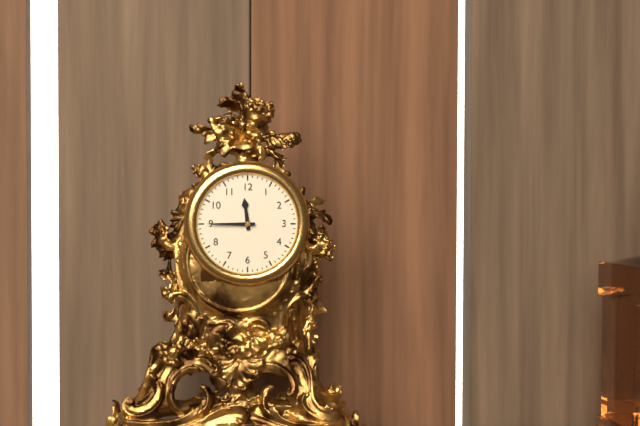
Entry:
h=11 m=45
